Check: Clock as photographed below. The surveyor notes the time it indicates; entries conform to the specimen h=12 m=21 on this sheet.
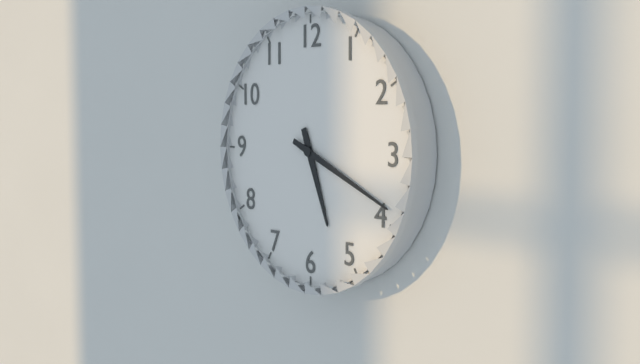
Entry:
h=5 m=19
